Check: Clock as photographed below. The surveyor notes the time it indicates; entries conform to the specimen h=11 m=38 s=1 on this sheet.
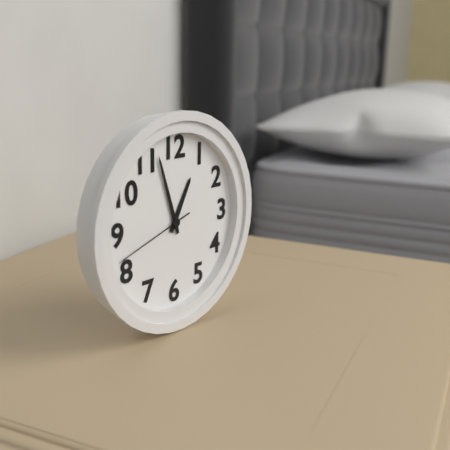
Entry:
h=12 m=57 s=42
